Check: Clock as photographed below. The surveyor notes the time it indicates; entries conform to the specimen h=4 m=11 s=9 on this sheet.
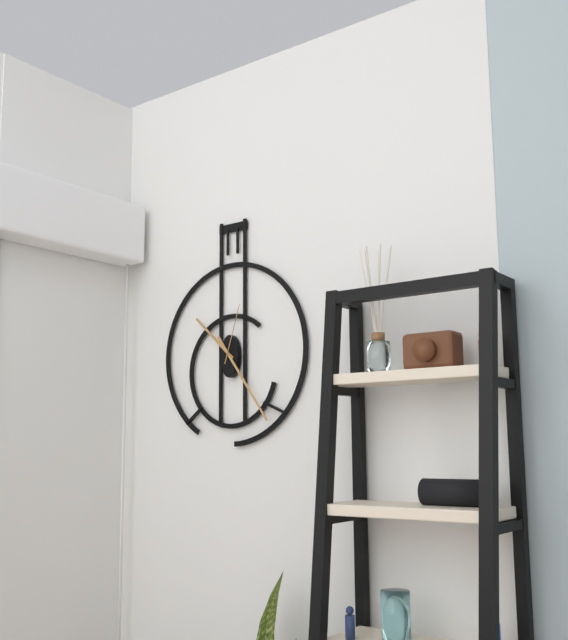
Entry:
h=10 m=24 s=3
